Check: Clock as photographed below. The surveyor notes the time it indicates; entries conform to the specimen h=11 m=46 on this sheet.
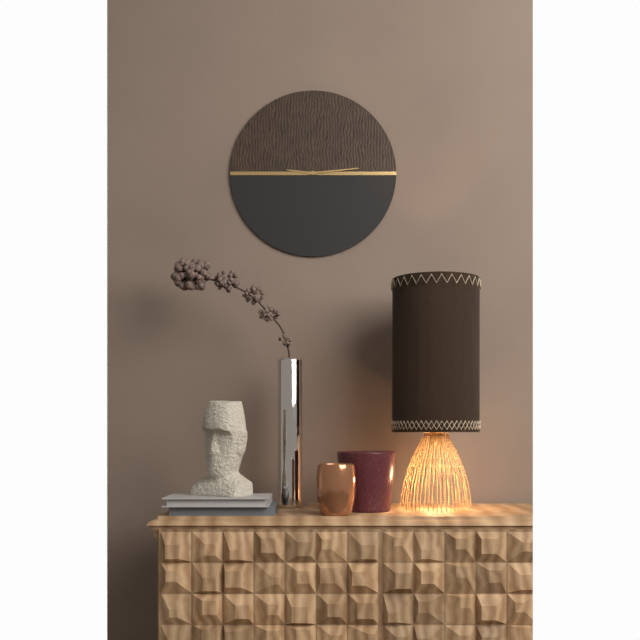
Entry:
h=9 m=14
